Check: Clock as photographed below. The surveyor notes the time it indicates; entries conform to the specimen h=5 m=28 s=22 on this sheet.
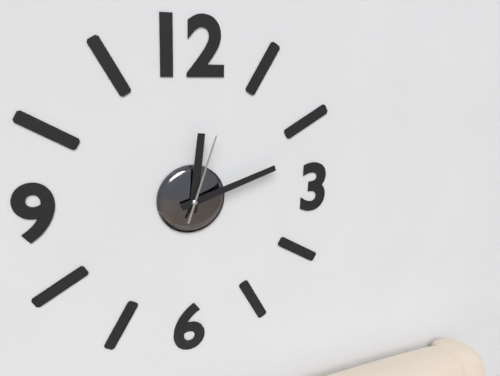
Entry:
h=12 m=12 s=3
